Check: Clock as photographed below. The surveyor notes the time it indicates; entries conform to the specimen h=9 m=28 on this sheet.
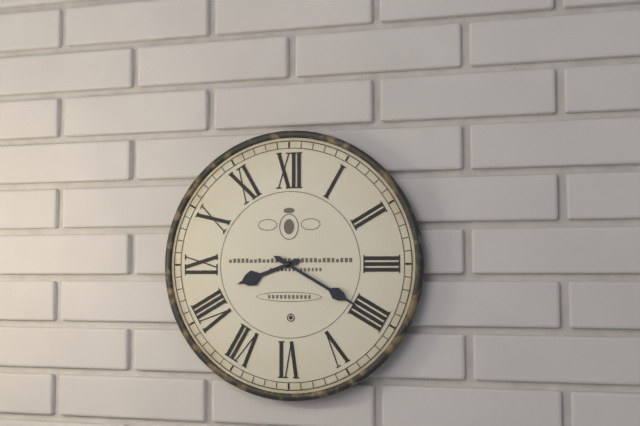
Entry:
h=8 m=20
